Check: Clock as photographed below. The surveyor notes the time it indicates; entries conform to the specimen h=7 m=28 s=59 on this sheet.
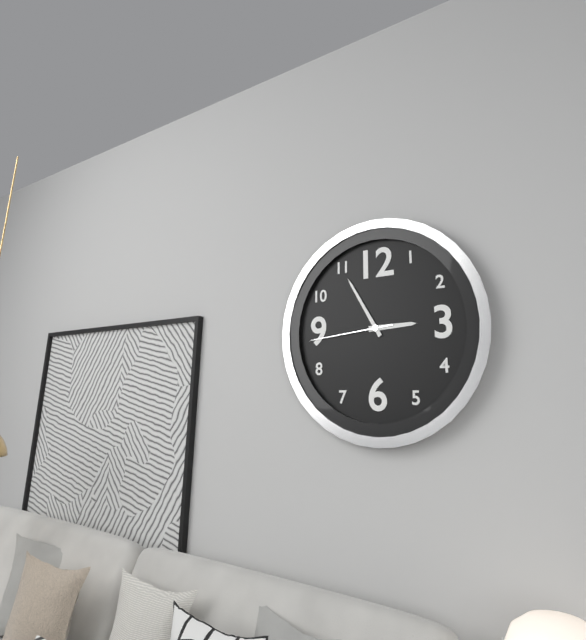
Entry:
h=2 m=55 s=44
